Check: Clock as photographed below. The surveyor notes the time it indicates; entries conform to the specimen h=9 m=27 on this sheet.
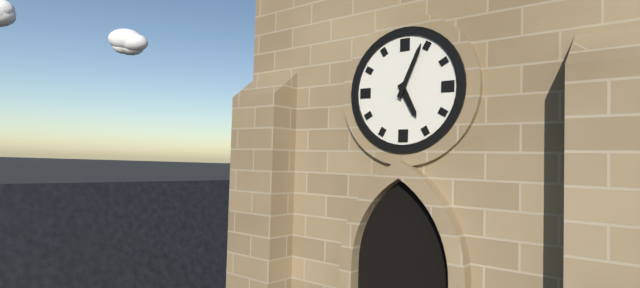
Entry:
h=5 m=4
